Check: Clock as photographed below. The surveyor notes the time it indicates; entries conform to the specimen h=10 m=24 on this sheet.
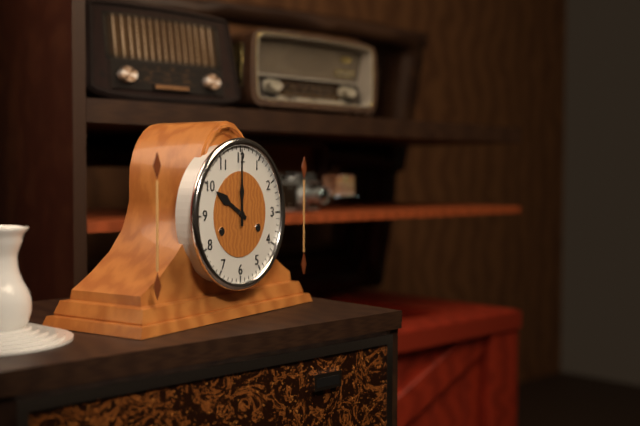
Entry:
h=10 m=0
